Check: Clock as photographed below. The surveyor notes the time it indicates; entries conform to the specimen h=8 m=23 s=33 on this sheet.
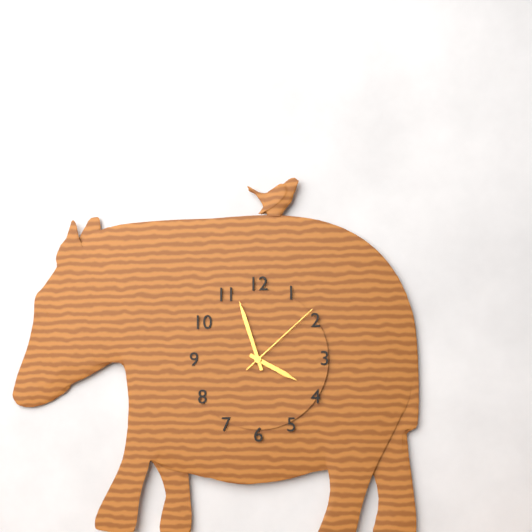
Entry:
h=3 m=57 s=8
